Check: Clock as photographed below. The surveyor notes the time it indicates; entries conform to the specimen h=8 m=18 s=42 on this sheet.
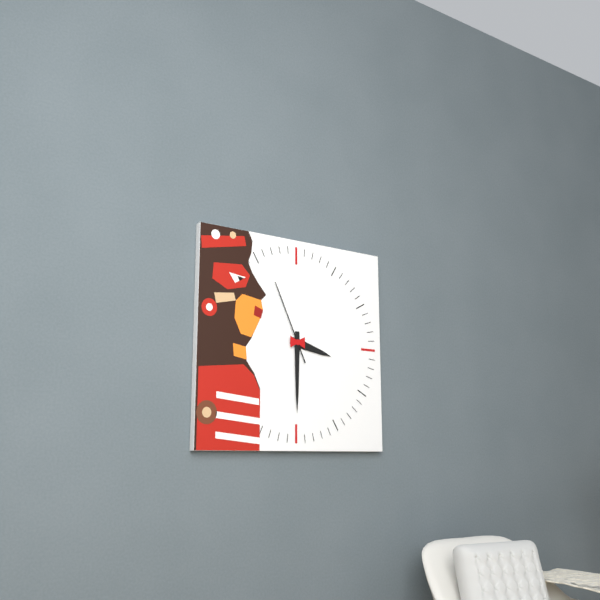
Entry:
h=3 m=30 s=56
